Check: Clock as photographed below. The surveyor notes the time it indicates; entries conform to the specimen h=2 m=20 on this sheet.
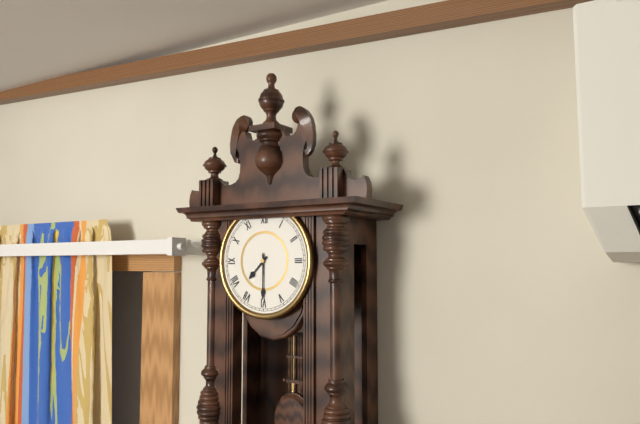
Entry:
h=7 m=30
